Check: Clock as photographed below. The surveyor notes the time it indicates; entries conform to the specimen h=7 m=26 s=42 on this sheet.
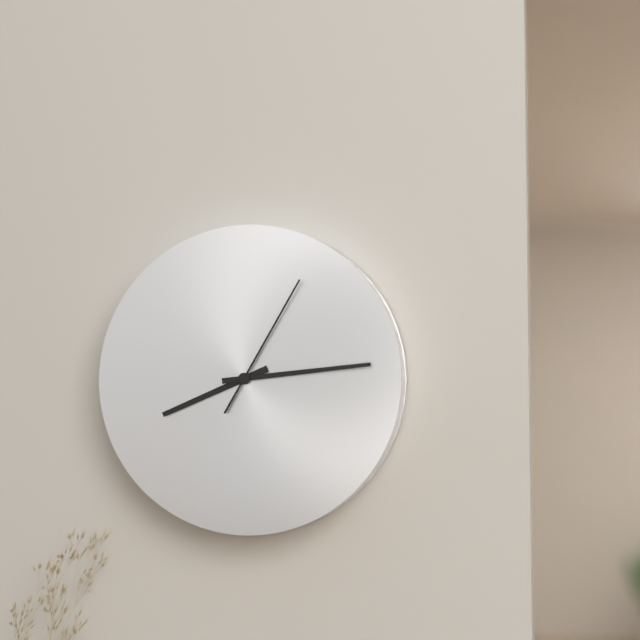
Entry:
h=8 m=14 s=5
